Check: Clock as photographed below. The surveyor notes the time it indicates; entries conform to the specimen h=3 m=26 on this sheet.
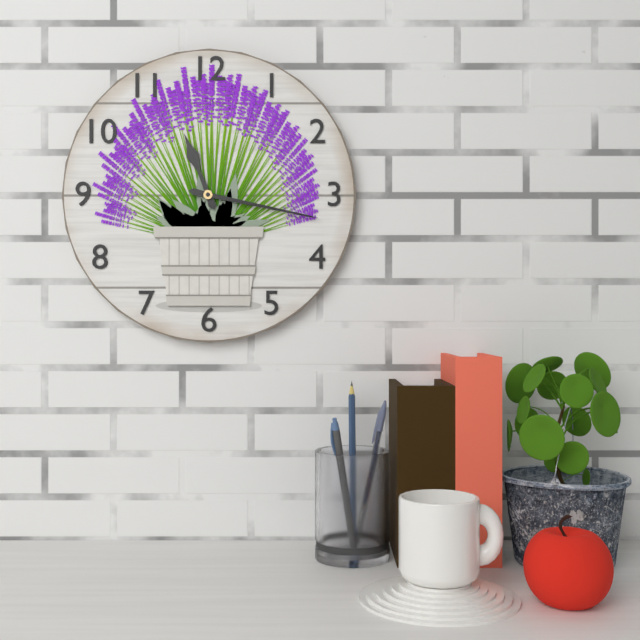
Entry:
h=11 m=17
